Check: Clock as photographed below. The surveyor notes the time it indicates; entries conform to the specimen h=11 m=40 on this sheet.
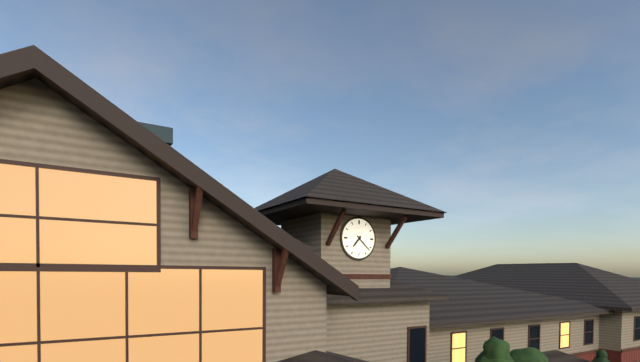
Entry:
h=7 m=22
